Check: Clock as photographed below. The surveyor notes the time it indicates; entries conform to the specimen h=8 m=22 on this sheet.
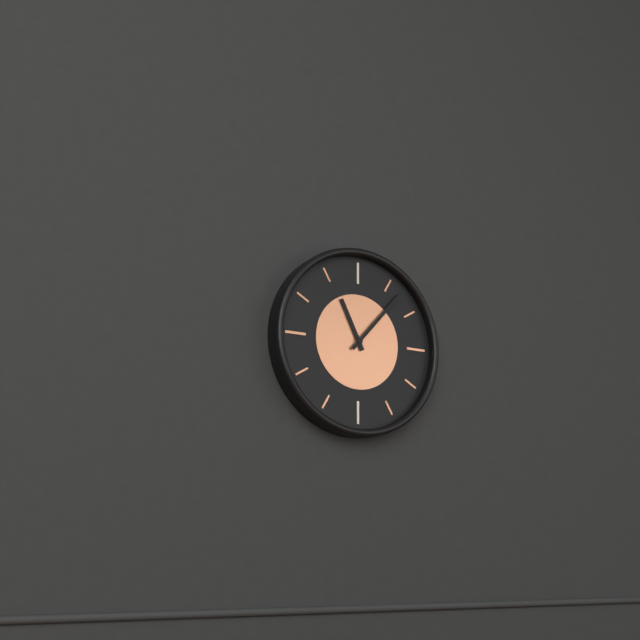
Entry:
h=11 m=7
